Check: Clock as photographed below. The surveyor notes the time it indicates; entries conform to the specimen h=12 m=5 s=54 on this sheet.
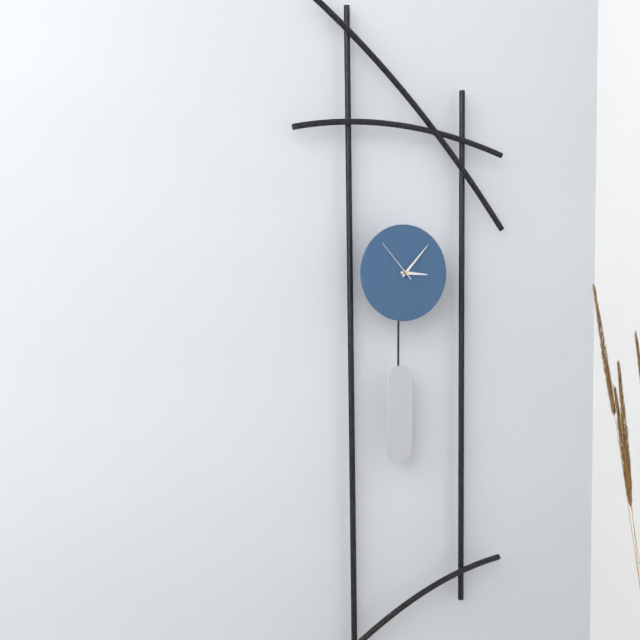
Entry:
h=3 m=7 s=53
